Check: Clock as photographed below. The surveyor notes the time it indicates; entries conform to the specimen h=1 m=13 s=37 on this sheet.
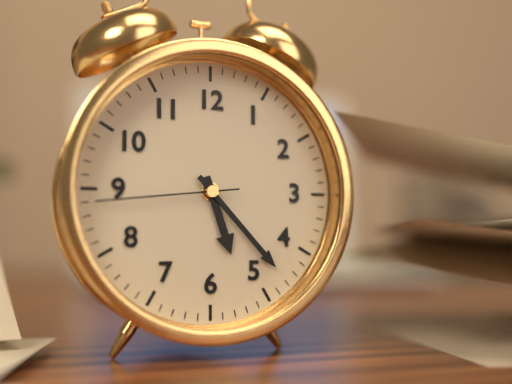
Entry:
h=5 m=23 s=44
